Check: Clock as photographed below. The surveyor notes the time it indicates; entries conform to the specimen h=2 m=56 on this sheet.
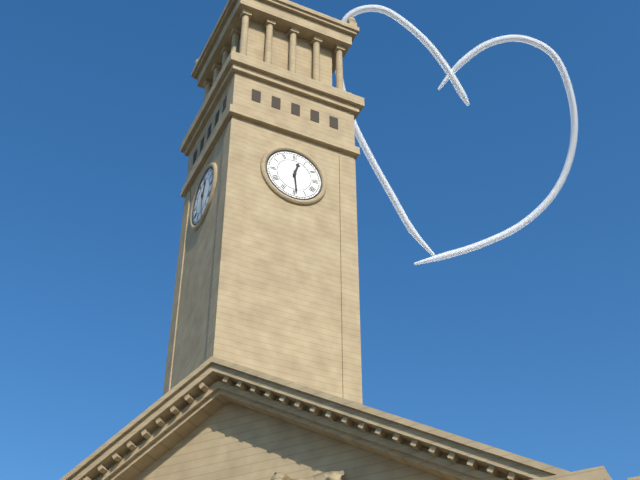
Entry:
h=12 m=29
